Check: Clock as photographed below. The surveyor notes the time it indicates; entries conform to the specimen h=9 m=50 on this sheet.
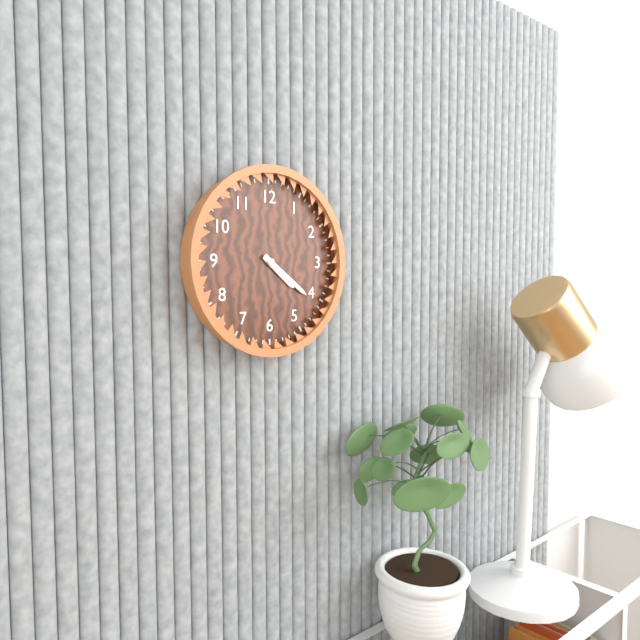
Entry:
h=4 m=21
